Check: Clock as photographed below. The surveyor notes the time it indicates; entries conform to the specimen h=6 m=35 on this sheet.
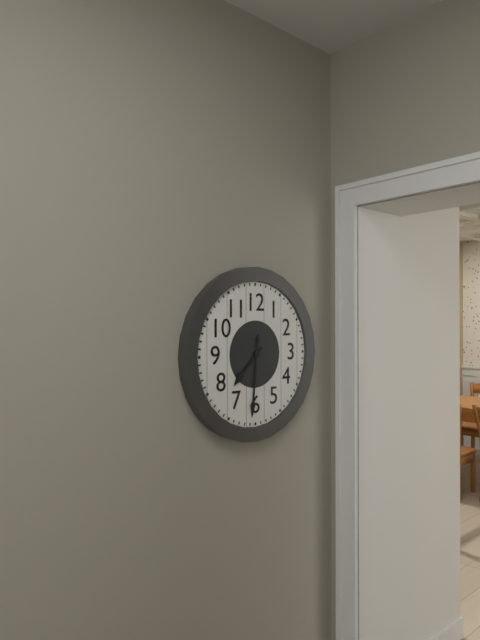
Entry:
h=7 m=31
